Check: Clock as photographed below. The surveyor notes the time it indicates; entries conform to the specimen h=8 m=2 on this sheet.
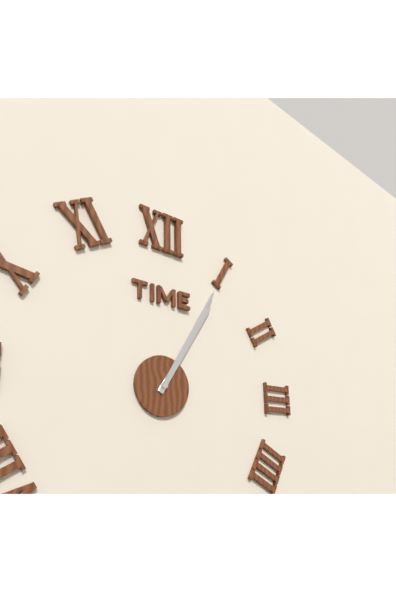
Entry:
h=1 m=5
